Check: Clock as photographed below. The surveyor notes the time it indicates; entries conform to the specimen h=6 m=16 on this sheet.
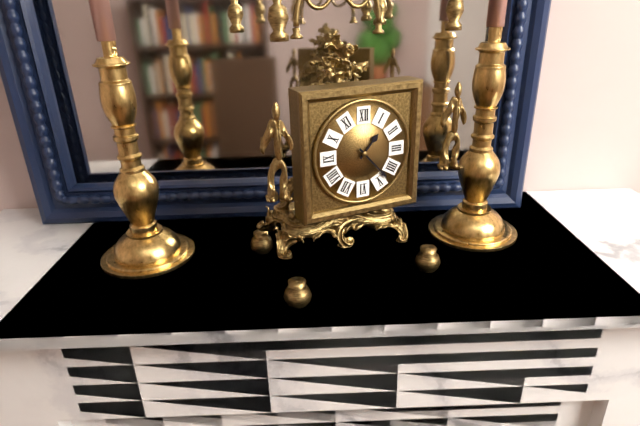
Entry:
h=1 m=23
